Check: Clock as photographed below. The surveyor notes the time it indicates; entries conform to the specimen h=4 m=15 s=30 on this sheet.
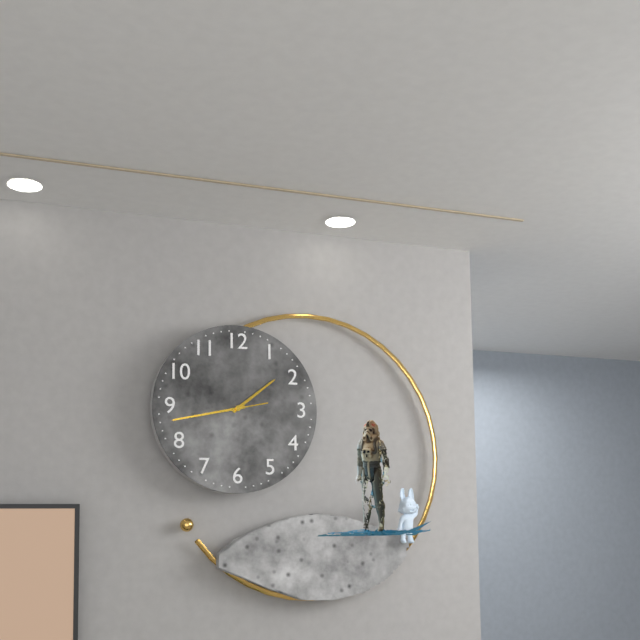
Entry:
h=1 m=43 s=43
